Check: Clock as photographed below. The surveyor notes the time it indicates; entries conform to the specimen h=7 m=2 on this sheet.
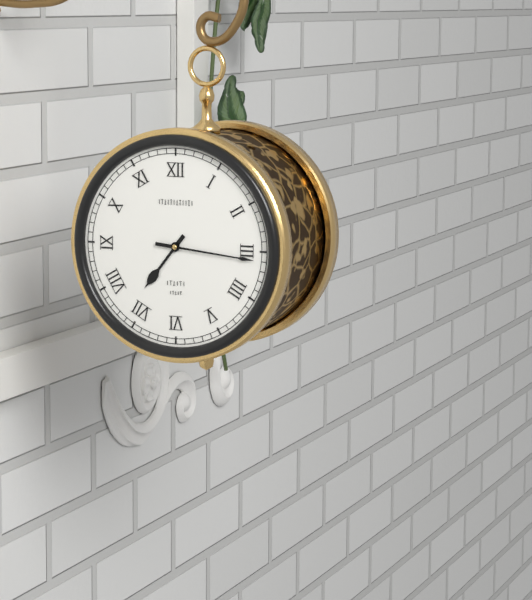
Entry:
h=7 m=16
